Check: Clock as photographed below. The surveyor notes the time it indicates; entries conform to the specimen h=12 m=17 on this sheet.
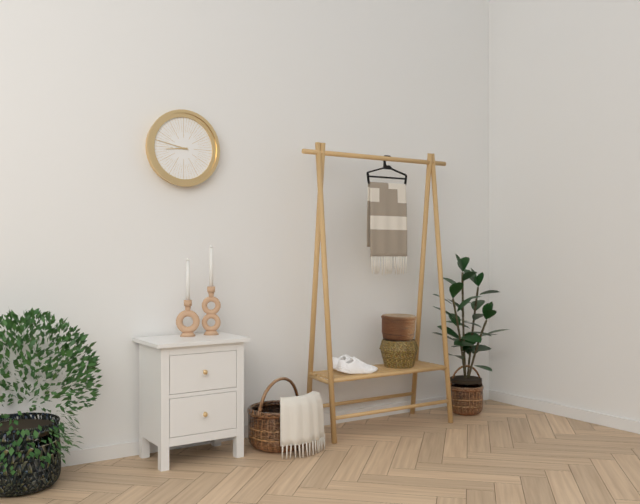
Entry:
h=8 m=47
